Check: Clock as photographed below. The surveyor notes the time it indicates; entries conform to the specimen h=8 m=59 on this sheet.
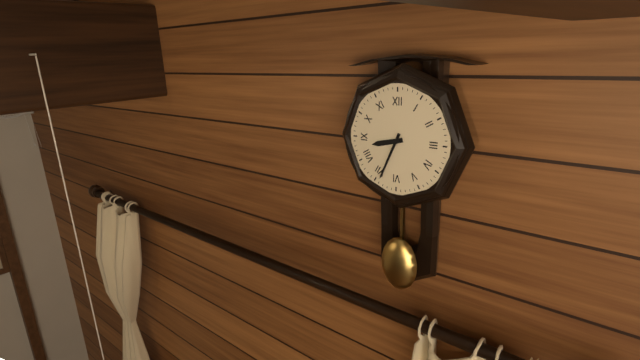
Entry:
h=8 m=34
